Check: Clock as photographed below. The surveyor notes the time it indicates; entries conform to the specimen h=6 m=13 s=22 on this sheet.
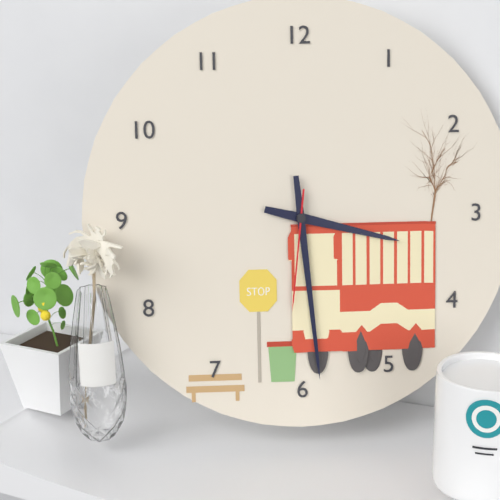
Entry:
h=3 m=29 s=31
